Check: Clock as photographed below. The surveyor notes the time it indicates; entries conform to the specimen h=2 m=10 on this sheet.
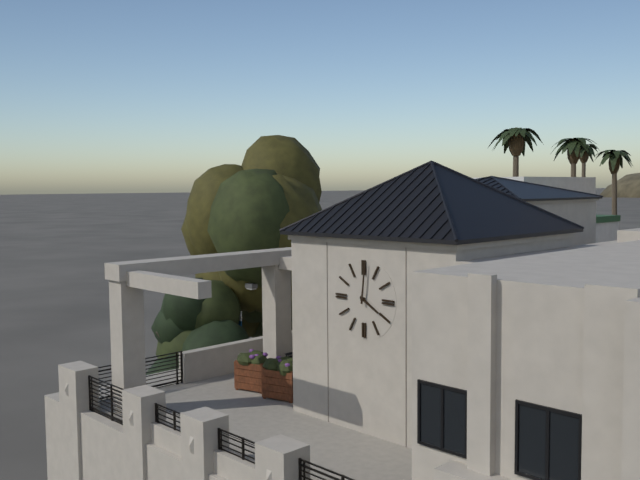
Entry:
h=4 m=1
